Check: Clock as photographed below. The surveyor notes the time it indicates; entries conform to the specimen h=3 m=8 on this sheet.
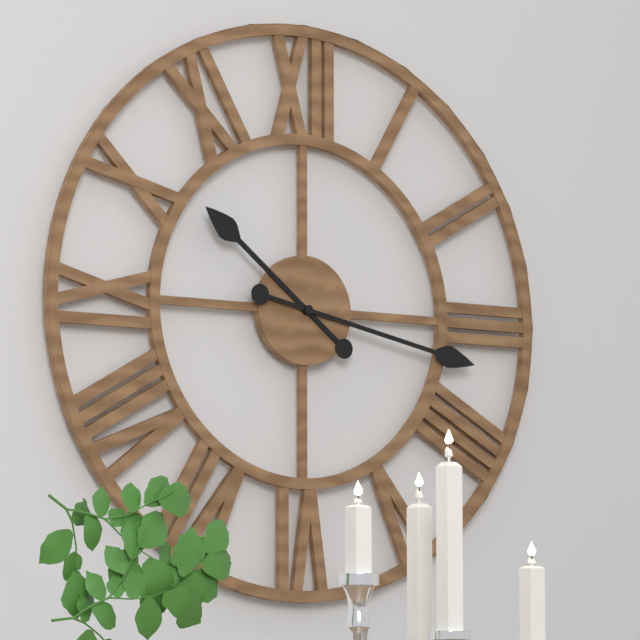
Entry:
h=10 m=17
